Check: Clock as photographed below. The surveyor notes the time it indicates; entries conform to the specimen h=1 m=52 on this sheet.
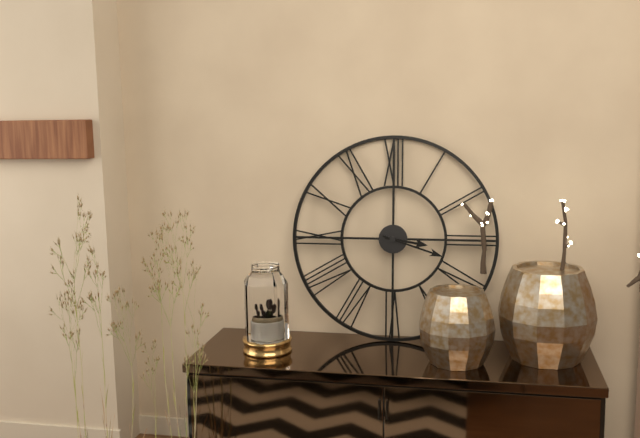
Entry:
h=3 m=18
